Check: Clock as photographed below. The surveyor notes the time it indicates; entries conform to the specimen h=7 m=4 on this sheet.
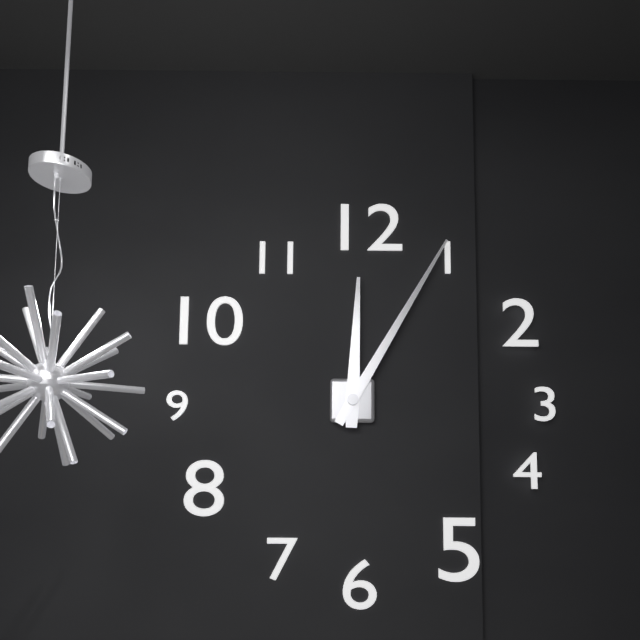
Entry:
h=12 m=5
